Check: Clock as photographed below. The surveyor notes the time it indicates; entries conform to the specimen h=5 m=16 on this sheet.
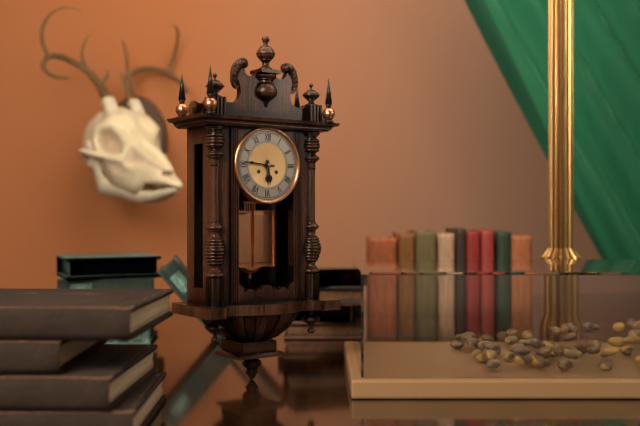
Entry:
h=5 m=46
